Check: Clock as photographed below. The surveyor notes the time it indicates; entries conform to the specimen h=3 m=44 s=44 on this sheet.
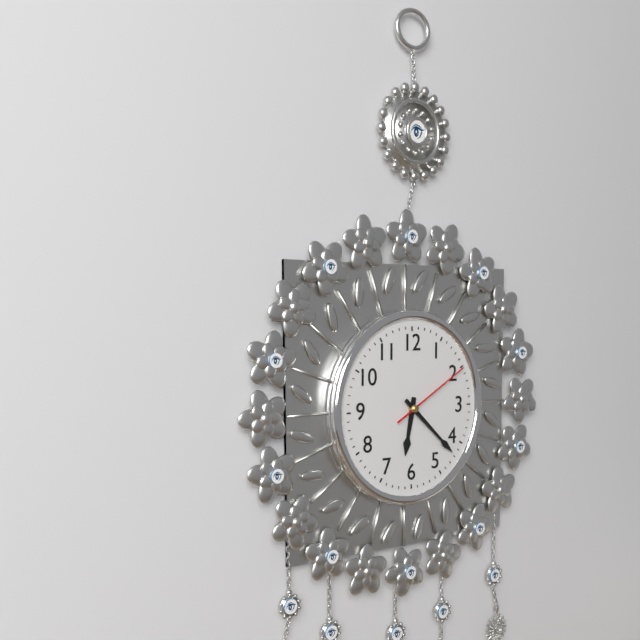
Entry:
h=6 m=22 s=10
